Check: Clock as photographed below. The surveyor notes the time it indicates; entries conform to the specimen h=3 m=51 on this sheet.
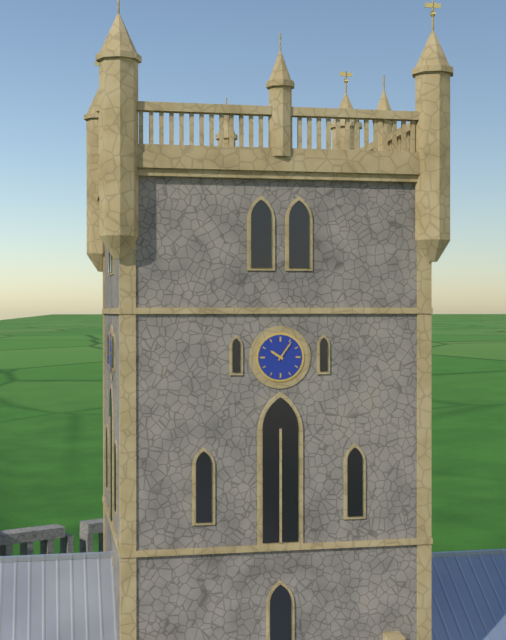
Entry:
h=10 m=6
